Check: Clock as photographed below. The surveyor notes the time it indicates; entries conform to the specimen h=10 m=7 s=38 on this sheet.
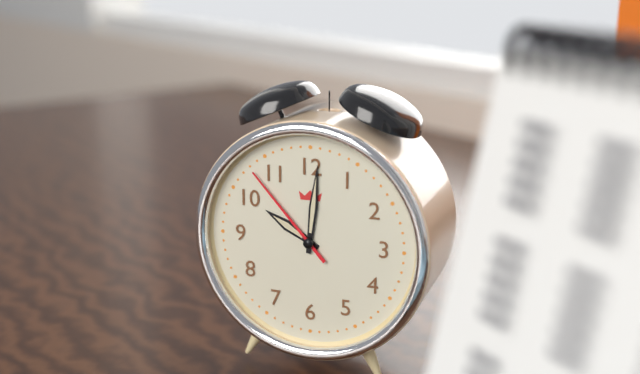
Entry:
h=10 m=1 s=53
